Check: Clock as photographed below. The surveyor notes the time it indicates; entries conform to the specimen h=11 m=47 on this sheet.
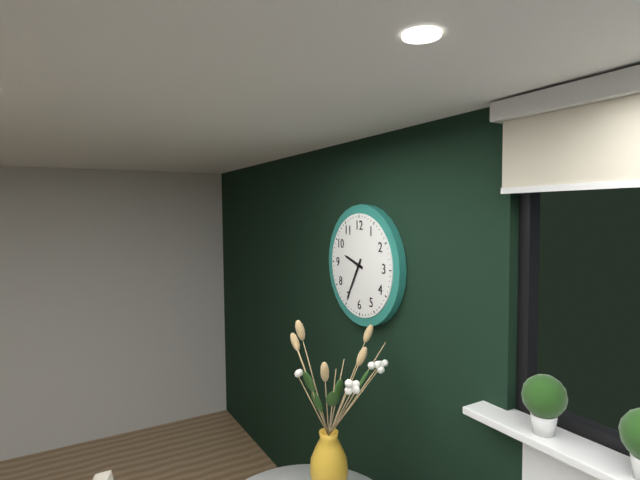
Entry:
h=9 m=35
